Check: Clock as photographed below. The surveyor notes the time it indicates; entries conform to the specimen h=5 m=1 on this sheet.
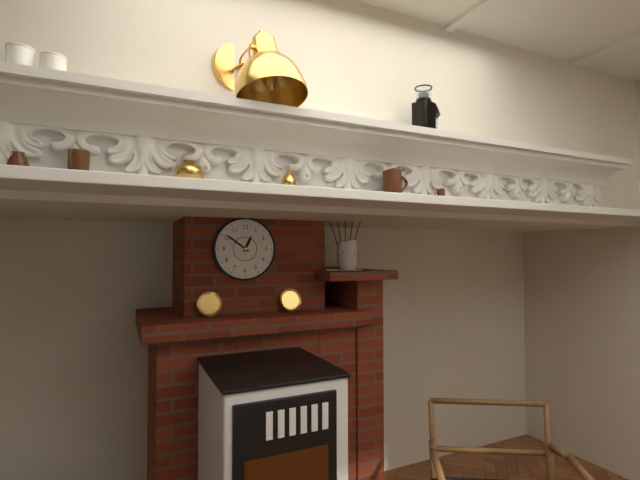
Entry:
h=12 m=51
